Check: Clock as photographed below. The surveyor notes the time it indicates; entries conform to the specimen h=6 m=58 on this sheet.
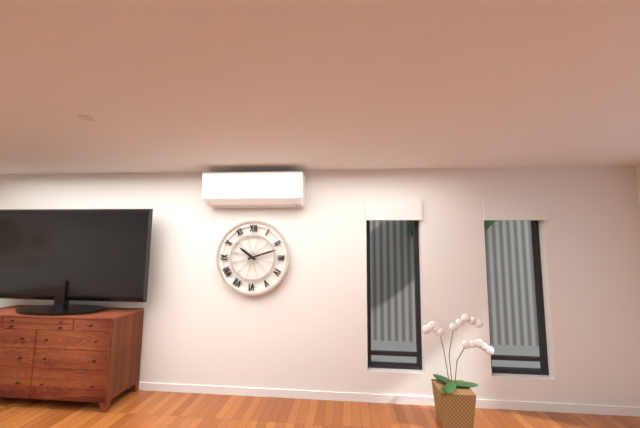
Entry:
h=10 m=12
